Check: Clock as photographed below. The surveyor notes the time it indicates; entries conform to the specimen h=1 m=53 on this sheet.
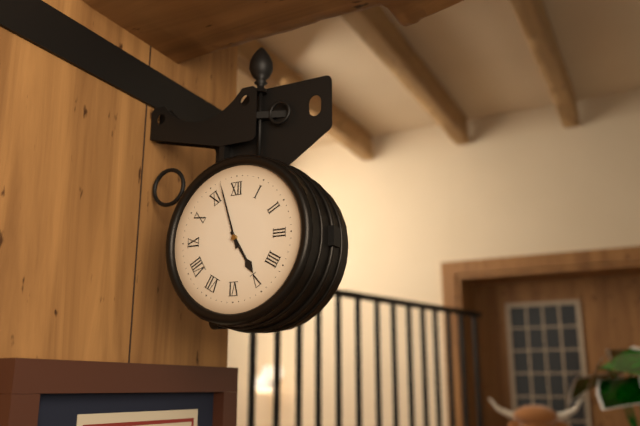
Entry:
h=4 m=57
